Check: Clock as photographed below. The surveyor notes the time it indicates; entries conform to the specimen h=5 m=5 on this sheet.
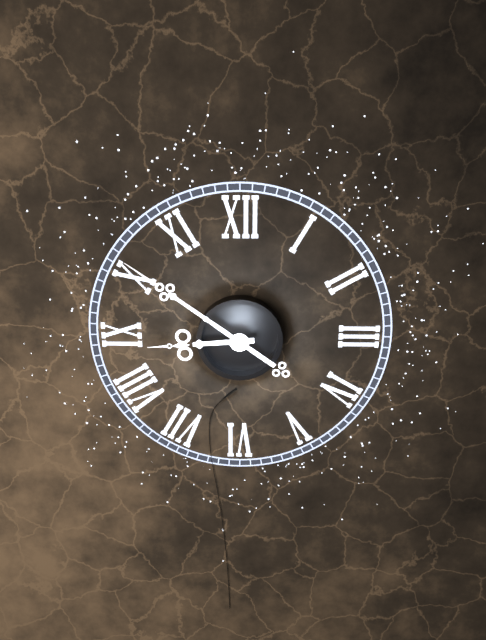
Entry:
h=8 m=51
